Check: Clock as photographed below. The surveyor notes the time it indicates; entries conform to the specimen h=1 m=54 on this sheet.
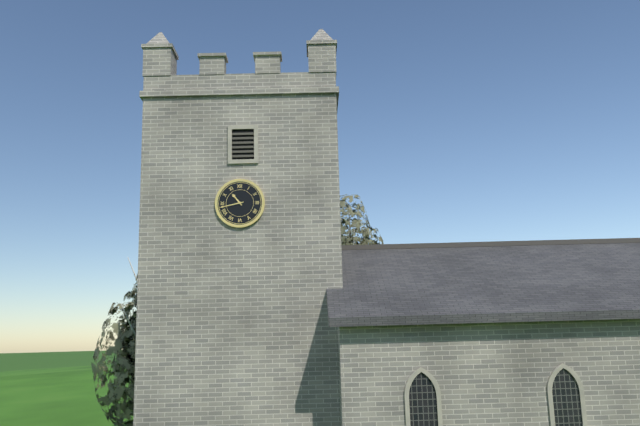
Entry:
h=10 m=43
